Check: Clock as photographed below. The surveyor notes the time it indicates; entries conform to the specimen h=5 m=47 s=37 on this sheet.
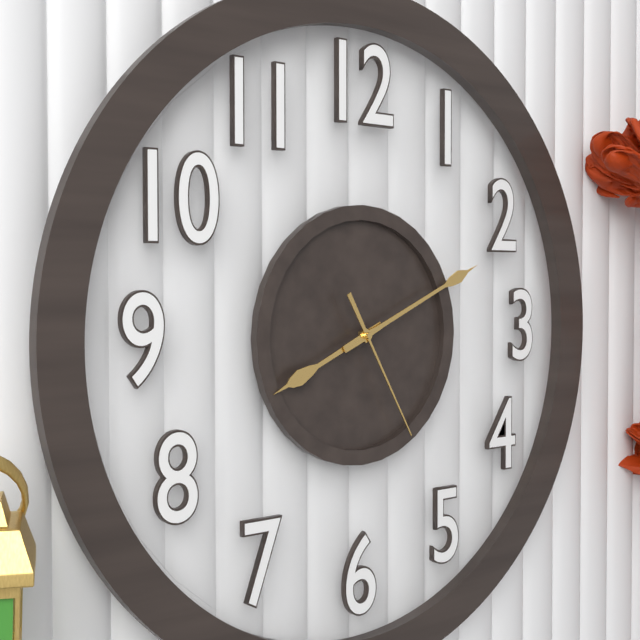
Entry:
h=8 m=11 s=25
